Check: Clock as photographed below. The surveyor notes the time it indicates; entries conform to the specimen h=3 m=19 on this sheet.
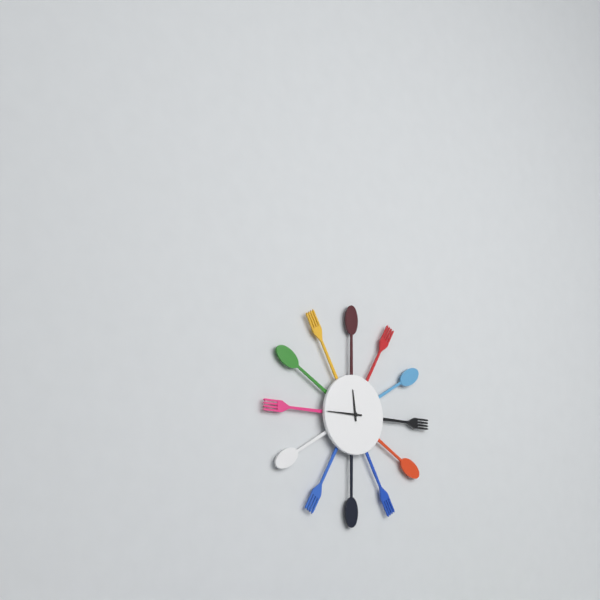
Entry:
h=11 m=45
